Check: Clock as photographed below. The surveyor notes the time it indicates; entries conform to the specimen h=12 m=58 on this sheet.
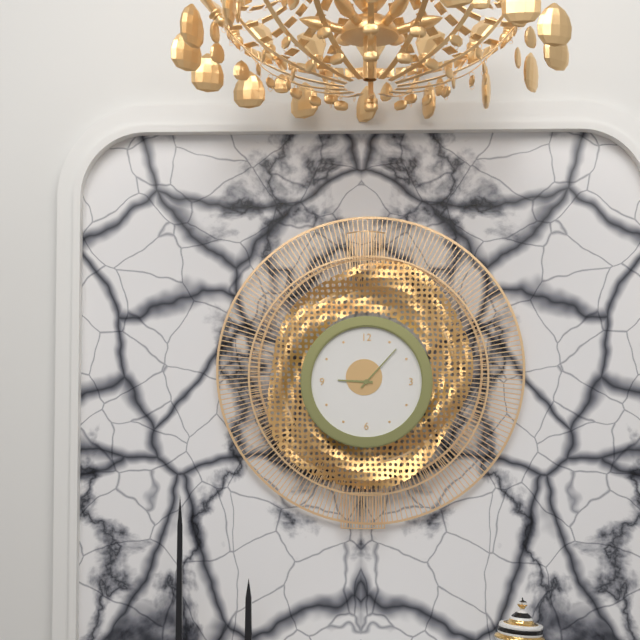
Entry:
h=9 m=7
